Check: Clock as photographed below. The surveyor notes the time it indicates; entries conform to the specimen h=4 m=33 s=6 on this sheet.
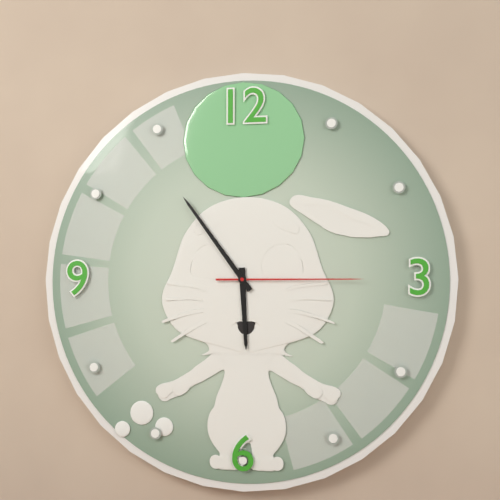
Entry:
h=5 m=54 s=15
